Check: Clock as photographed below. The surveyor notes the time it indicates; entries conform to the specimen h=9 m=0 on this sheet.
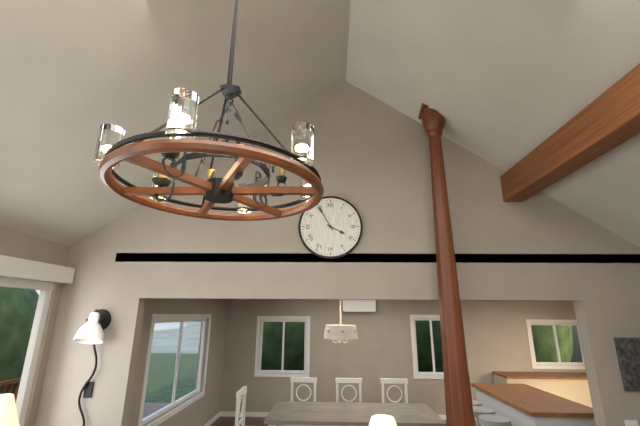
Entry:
h=3 m=55
